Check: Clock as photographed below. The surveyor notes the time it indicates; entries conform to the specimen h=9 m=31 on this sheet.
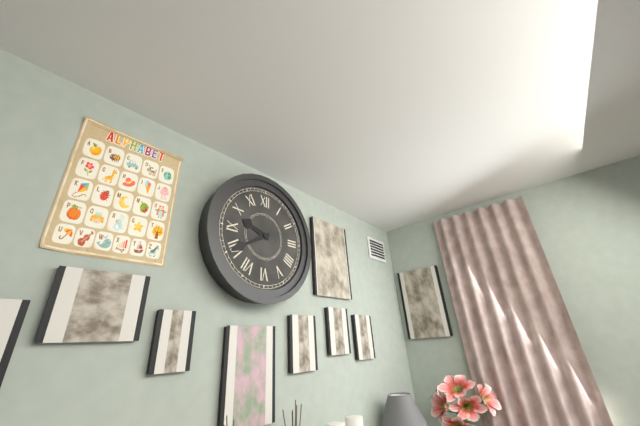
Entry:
h=9 m=40
